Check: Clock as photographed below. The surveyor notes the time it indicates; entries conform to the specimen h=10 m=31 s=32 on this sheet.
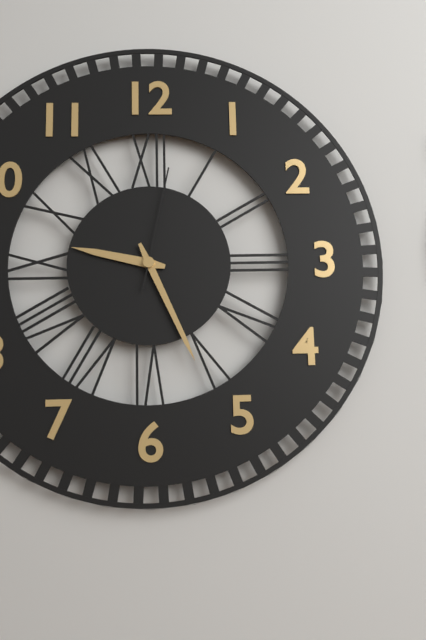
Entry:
h=9 m=26 s=2
